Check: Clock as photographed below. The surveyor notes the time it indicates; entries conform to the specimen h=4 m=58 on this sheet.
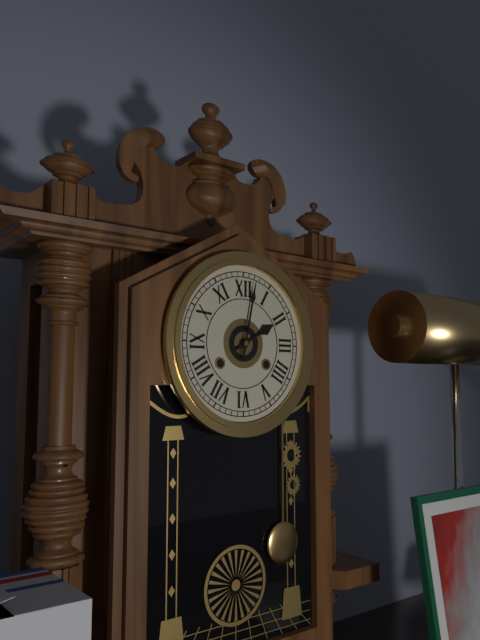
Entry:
h=2 m=2
